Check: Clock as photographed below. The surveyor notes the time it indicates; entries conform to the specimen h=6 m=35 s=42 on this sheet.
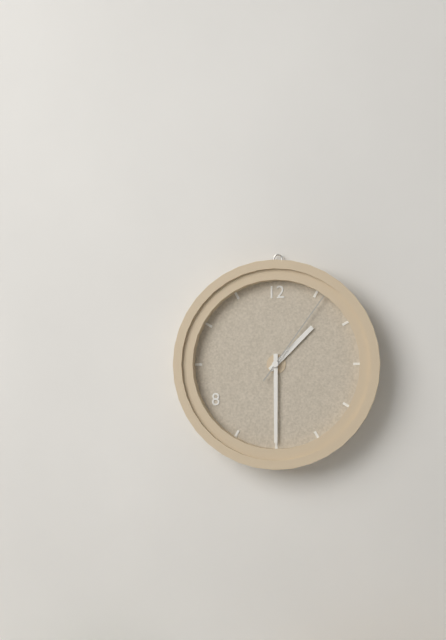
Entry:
h=1 m=30 s=6
